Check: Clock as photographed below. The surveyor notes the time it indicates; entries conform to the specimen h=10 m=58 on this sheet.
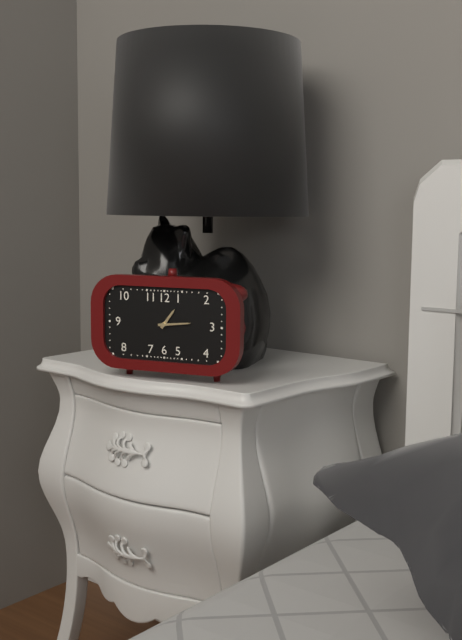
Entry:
h=1 m=14
